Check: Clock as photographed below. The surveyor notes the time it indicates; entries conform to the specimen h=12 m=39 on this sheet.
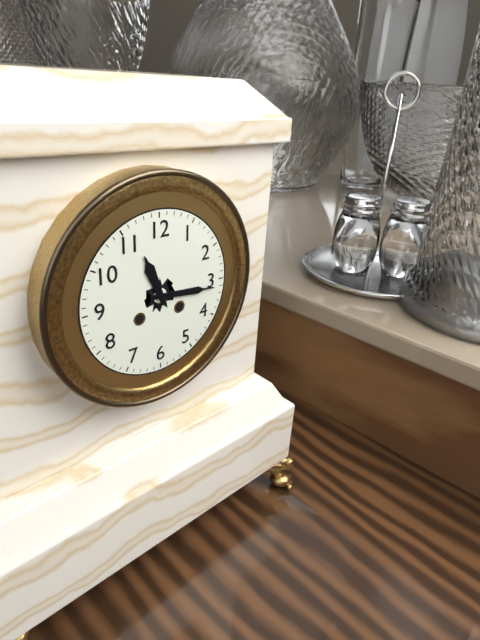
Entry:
h=11 m=16
